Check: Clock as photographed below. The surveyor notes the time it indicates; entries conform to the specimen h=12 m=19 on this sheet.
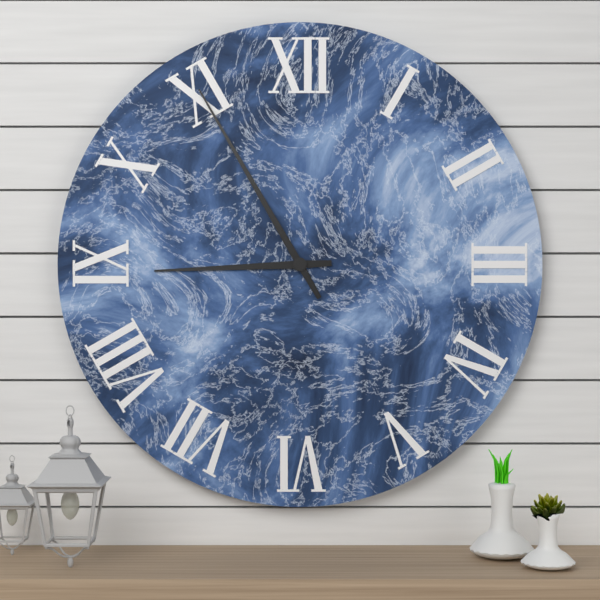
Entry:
h=8 m=55
